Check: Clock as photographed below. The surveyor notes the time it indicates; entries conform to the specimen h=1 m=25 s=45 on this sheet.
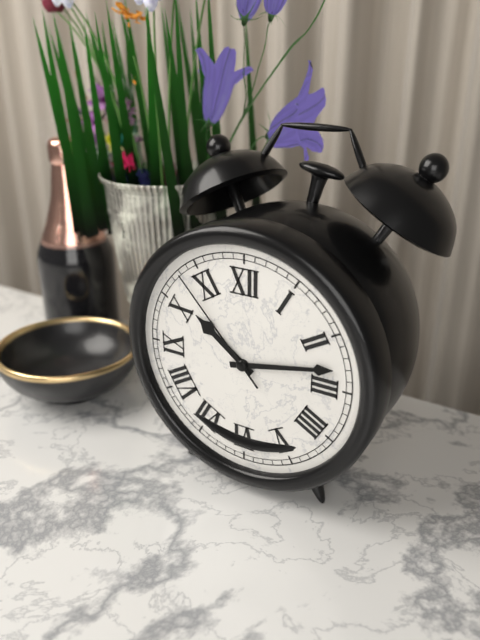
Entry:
h=10 m=13 s=53
